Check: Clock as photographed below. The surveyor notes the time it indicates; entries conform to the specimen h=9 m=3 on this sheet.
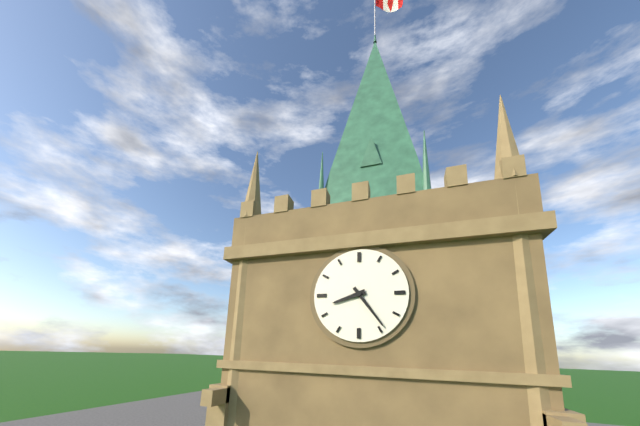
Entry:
h=8 m=24
